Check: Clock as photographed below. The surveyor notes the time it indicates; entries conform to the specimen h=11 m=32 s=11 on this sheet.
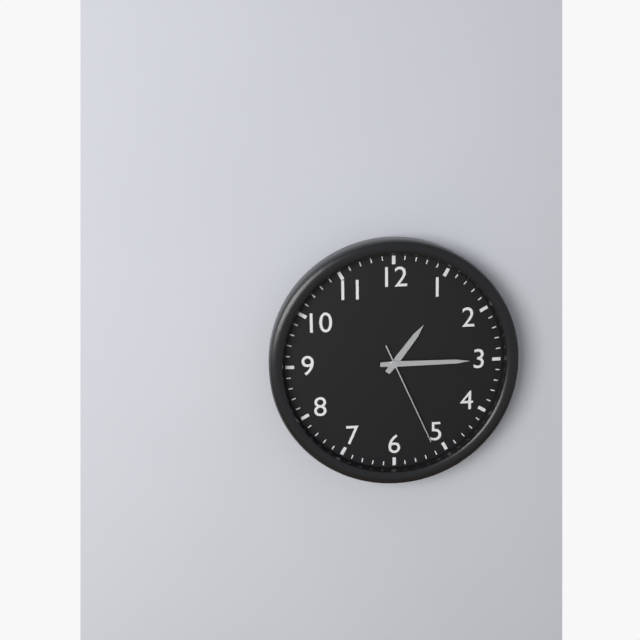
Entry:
h=1 m=15 s=26
